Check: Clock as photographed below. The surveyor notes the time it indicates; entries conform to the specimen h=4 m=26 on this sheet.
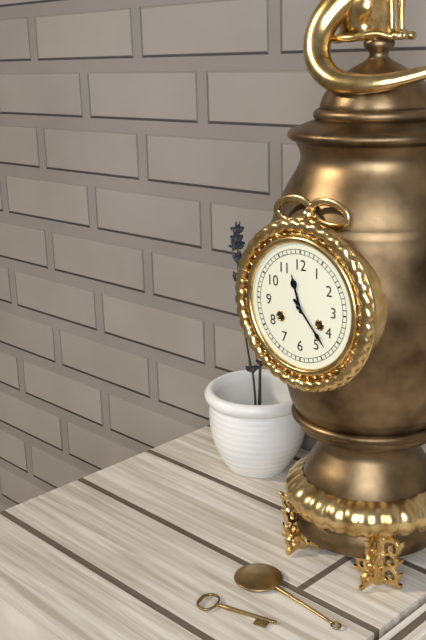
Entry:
h=11 m=23
